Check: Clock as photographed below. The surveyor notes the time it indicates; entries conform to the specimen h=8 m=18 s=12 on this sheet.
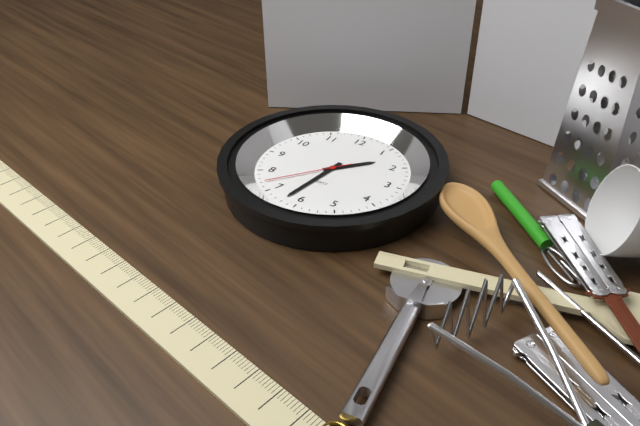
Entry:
h=1 m=32 s=37
